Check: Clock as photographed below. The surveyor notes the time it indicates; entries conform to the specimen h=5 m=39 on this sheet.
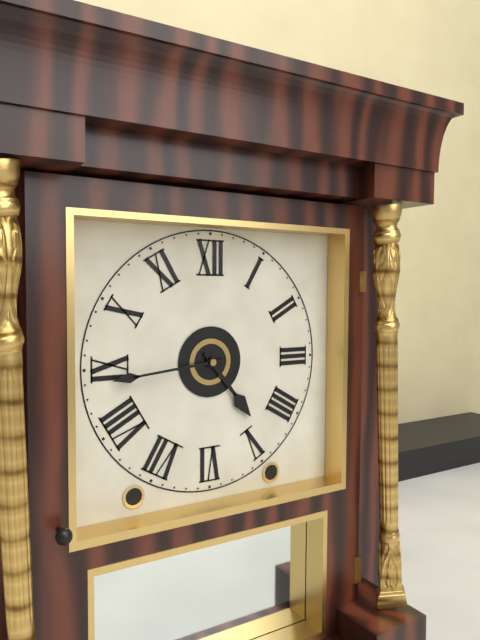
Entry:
h=4 m=44
